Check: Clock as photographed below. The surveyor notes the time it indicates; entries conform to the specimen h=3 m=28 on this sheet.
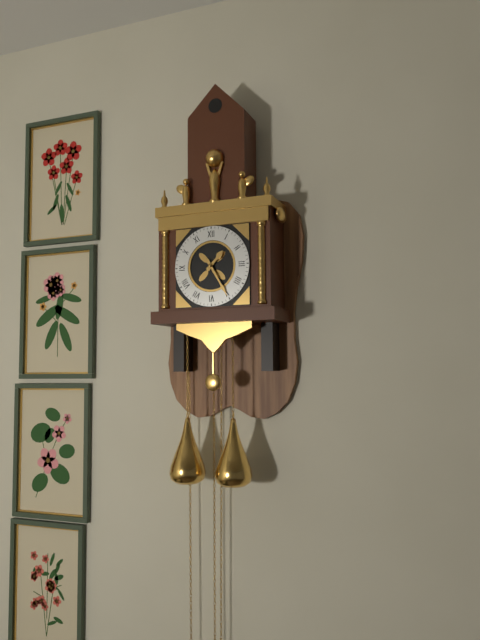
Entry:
h=1 m=25
